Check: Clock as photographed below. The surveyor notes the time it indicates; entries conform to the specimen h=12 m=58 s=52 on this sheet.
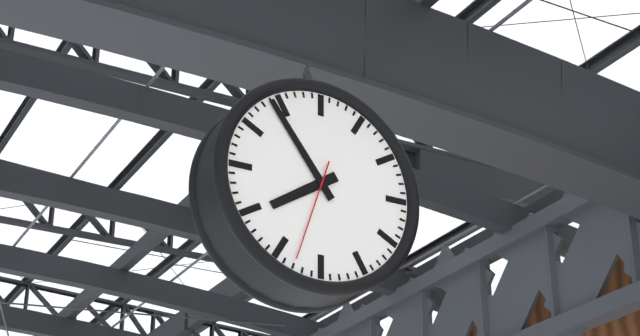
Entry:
h=7 m=54 s=33
